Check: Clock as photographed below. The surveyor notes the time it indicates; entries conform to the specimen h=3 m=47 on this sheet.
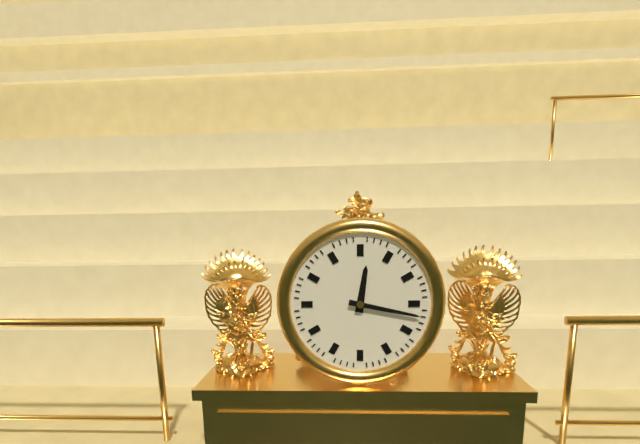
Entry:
h=12 m=17
